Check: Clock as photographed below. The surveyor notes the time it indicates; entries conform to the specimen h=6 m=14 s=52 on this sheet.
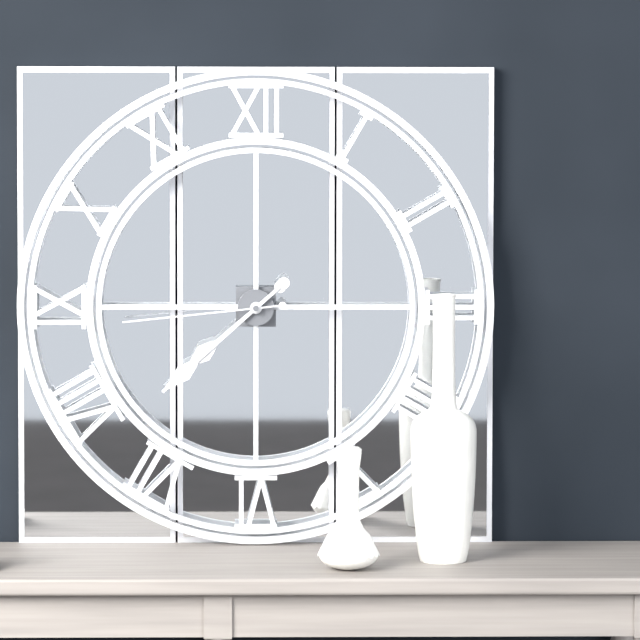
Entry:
h=7 m=38 s=44
